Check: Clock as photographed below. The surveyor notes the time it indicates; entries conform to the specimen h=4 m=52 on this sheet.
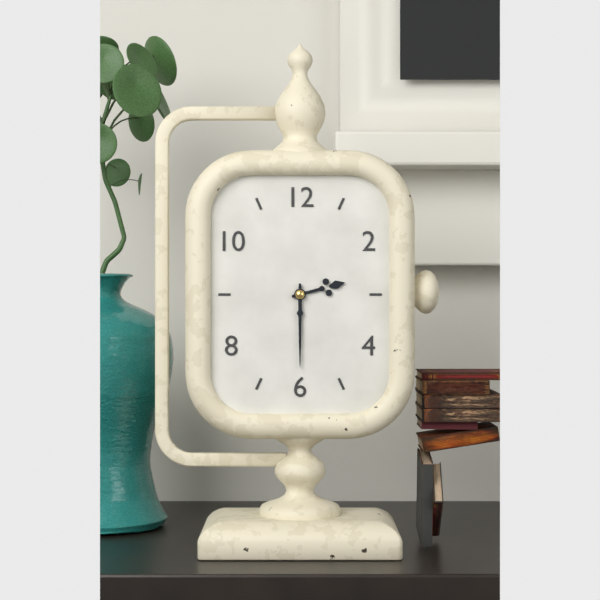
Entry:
h=2 m=30
